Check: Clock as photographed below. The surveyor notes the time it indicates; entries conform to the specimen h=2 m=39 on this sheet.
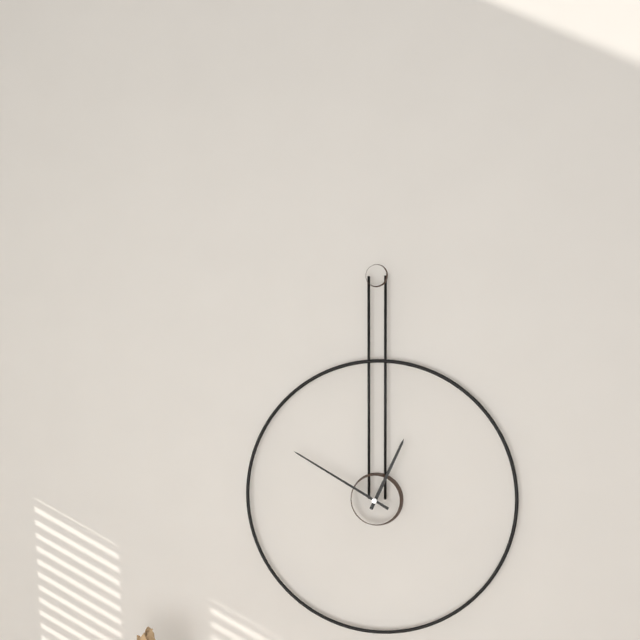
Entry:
h=12 m=50
